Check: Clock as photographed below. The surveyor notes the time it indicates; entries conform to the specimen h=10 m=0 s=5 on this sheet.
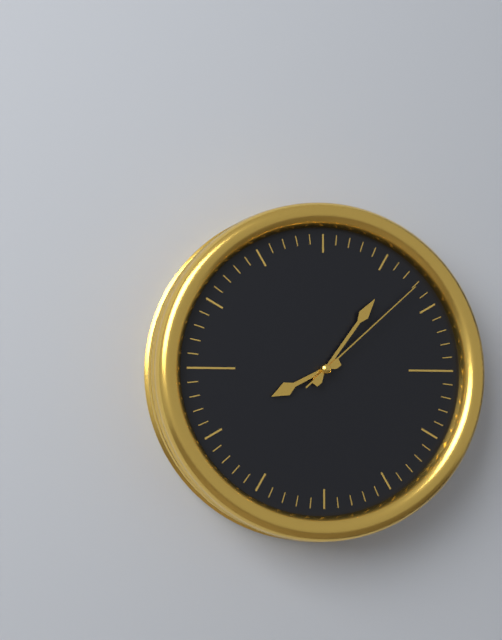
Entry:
h=8 m=6 s=8
